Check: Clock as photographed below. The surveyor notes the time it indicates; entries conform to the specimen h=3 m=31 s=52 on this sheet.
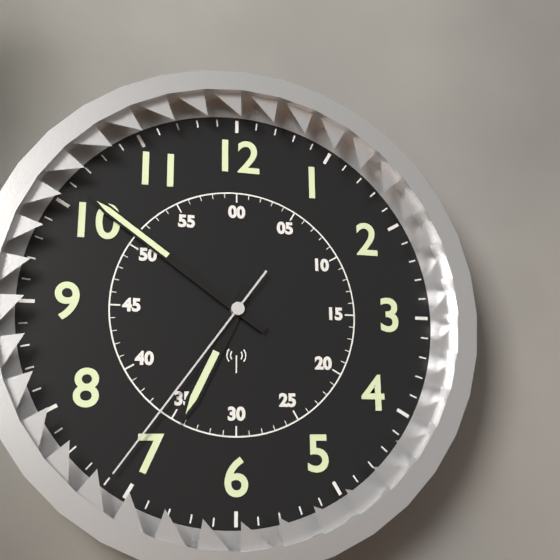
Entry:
h=6 m=51 s=36
